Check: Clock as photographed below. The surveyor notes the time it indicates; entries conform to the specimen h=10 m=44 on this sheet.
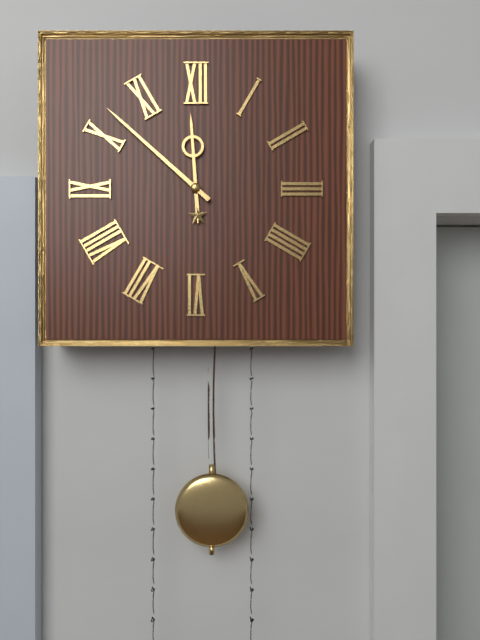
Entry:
h=11 m=52
